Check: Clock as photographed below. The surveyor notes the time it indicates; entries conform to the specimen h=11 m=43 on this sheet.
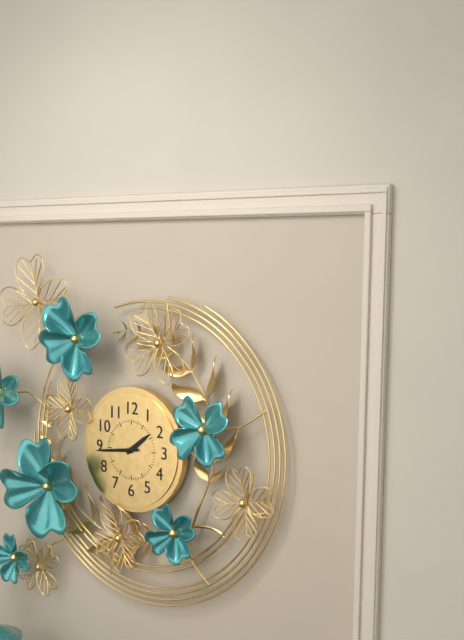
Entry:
h=1 m=44
